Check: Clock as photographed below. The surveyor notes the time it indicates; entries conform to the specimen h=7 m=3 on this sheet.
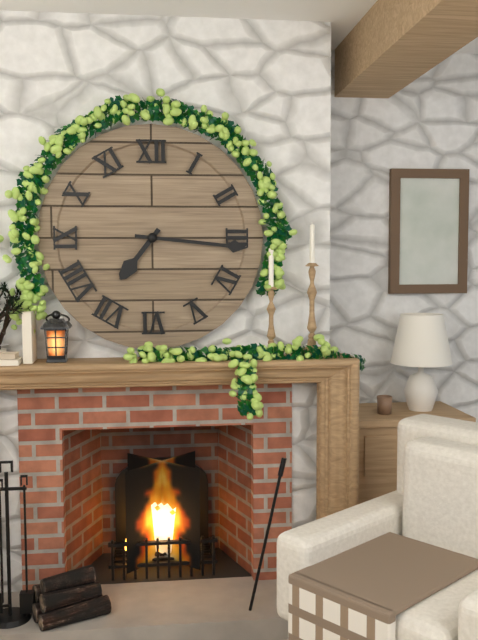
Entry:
h=7 m=16
